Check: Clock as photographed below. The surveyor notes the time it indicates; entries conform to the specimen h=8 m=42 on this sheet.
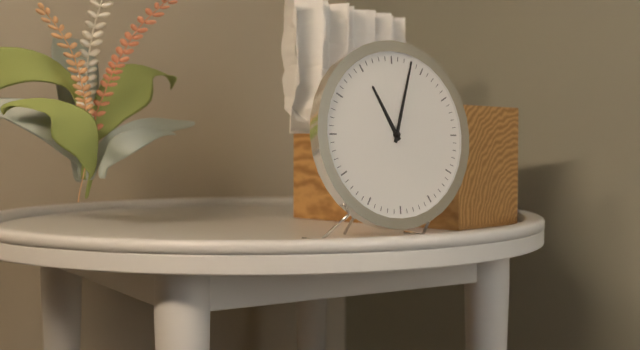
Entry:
h=11 m=3
